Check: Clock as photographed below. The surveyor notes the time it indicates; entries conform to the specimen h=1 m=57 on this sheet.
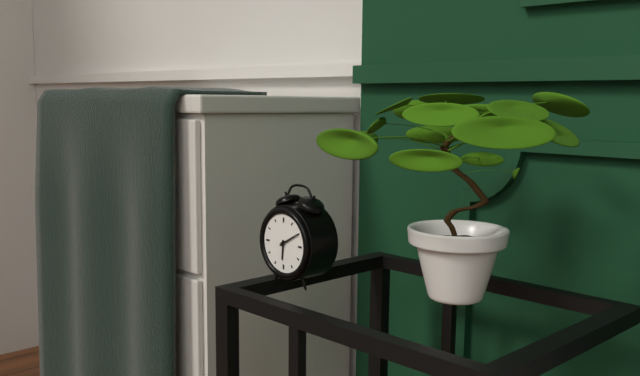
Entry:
h=6 m=10
